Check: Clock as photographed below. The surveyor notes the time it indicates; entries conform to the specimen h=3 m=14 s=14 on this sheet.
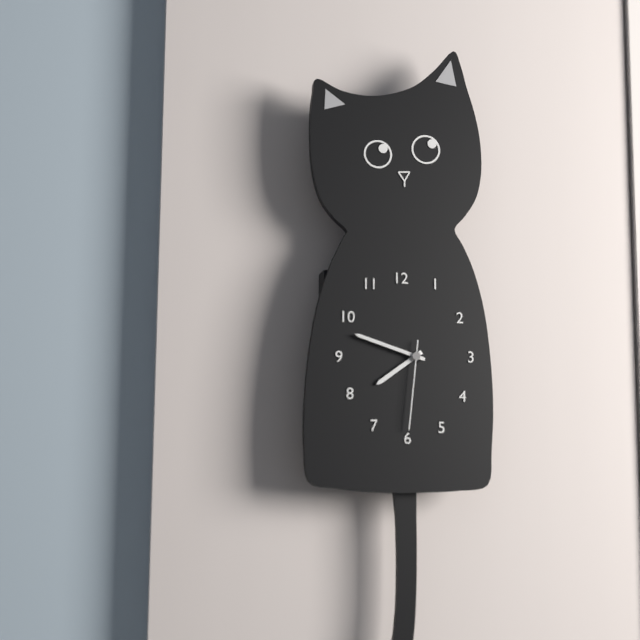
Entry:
h=7 m=48 s=31
